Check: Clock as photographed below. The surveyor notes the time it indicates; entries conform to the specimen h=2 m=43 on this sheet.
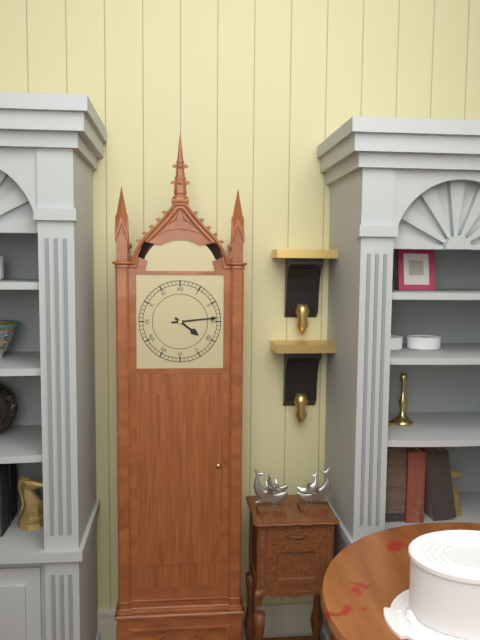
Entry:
h=4 m=14
